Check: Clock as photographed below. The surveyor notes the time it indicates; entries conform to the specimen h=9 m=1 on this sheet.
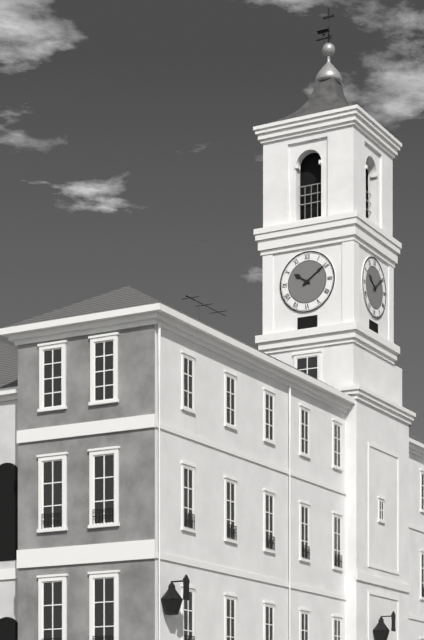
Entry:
h=10 m=9
